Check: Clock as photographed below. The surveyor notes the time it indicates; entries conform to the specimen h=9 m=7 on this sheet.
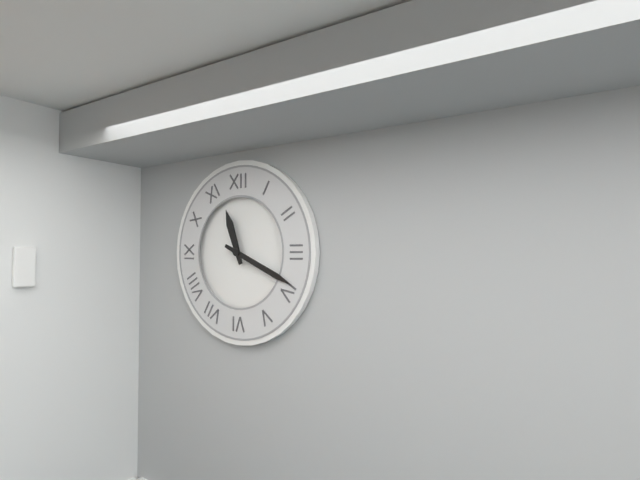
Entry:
h=11 m=19
